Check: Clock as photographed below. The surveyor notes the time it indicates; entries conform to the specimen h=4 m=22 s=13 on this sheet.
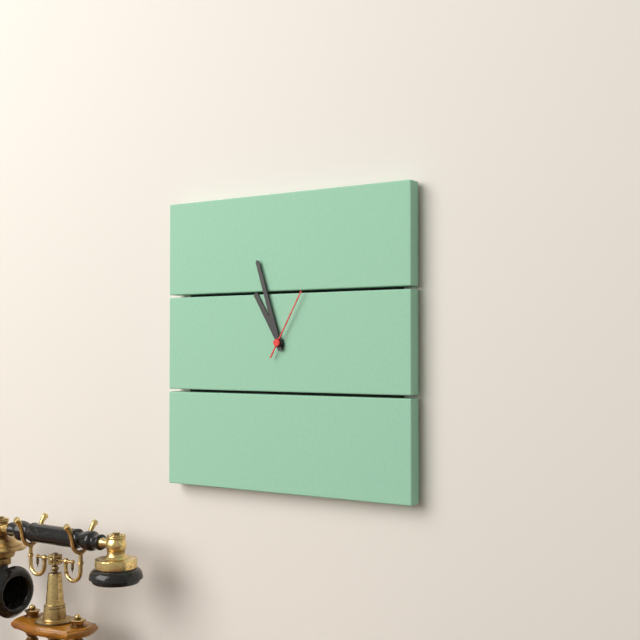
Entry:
h=10 m=57 s=5
